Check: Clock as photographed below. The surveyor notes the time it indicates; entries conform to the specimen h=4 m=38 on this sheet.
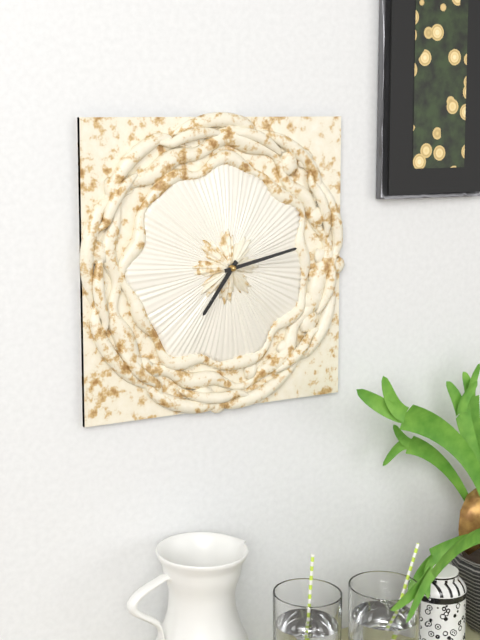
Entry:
h=7 m=13
